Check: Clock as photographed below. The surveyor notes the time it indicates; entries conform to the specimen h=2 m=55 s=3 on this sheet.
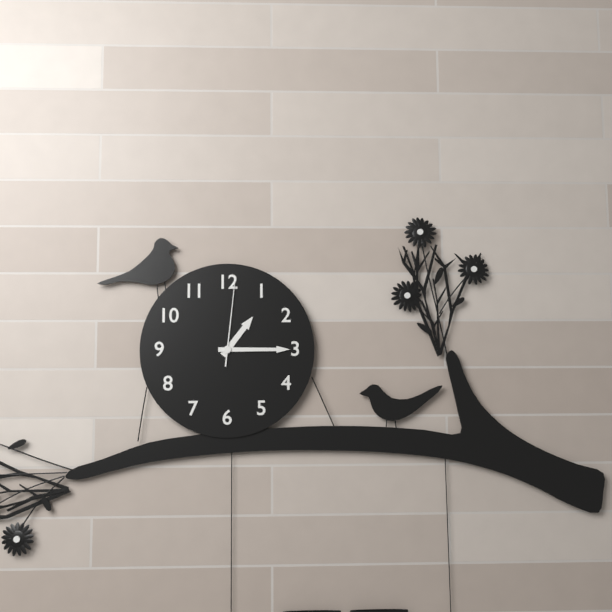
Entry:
h=1 m=15 s=1
